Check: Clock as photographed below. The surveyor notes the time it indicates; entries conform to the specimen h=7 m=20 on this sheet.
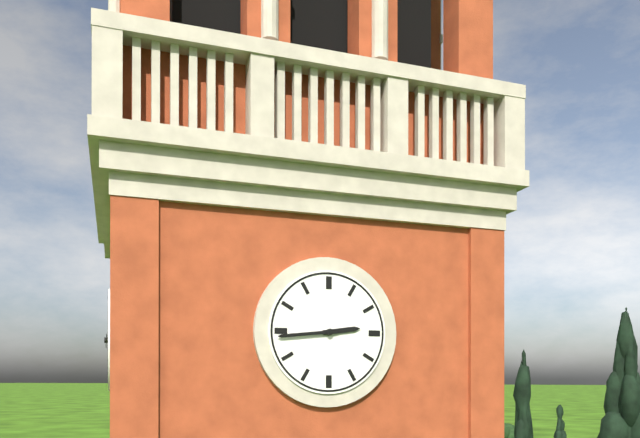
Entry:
h=2 m=44
